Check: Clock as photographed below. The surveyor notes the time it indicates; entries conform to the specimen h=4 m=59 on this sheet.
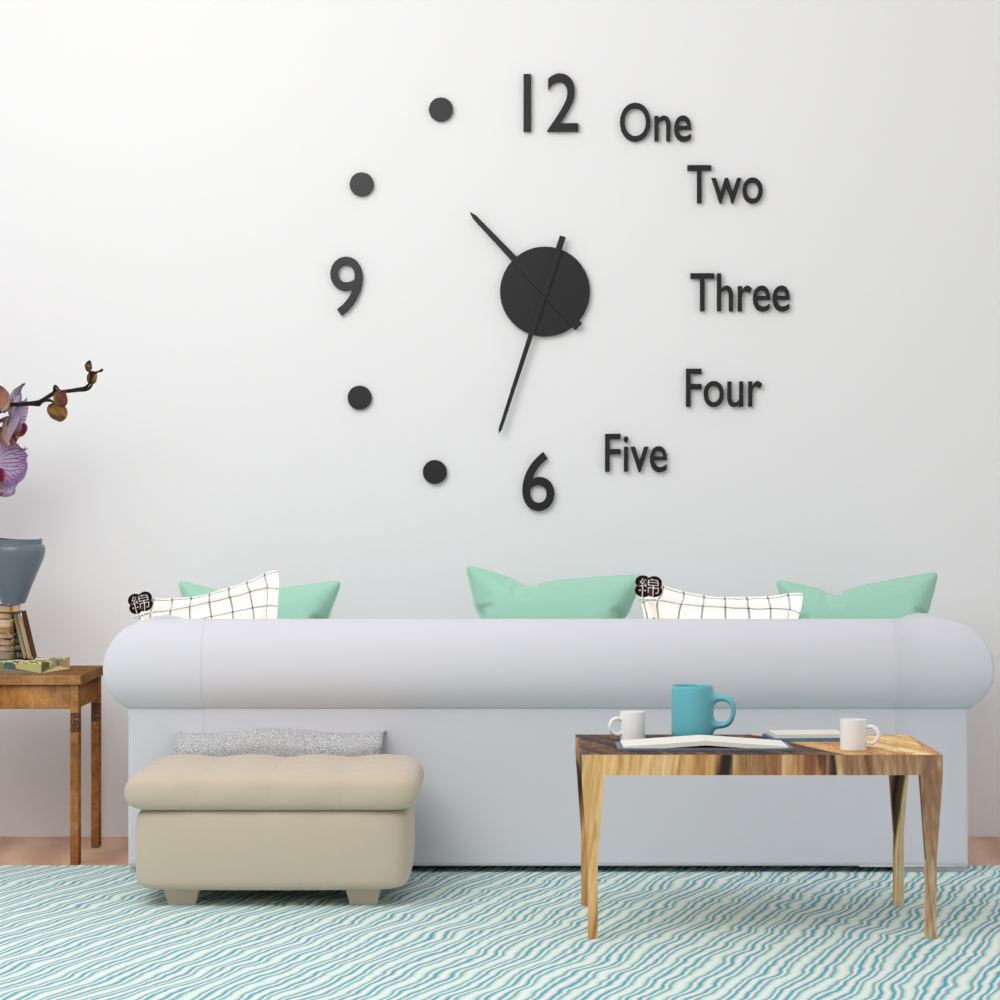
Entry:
h=10 m=33
